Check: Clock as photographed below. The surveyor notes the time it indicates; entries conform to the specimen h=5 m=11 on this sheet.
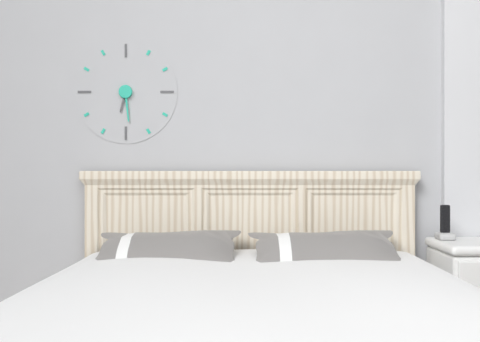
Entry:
h=6 m=29
